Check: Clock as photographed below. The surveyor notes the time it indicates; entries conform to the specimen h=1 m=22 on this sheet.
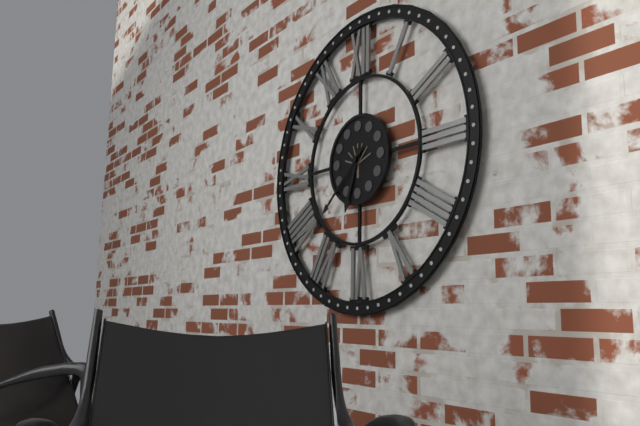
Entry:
h=6 m=38
